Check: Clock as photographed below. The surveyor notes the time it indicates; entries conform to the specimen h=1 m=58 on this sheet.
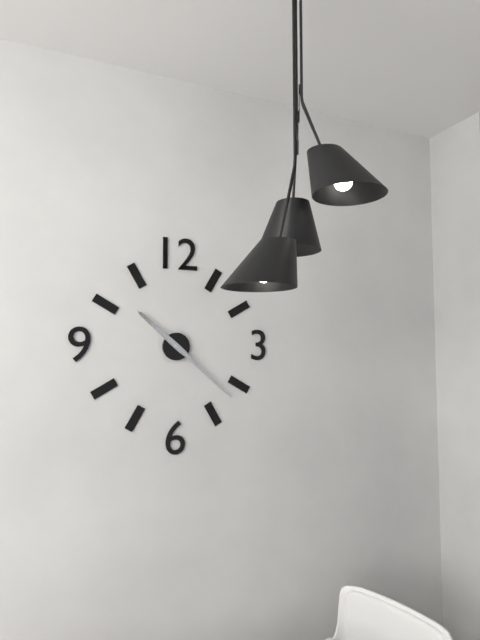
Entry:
h=10 m=22
